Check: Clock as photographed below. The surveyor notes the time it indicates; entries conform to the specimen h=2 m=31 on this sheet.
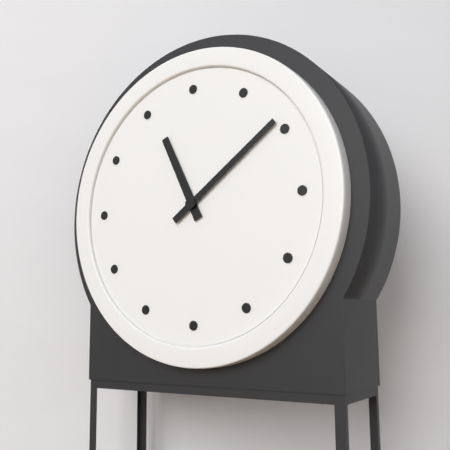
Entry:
h=11 m=9
